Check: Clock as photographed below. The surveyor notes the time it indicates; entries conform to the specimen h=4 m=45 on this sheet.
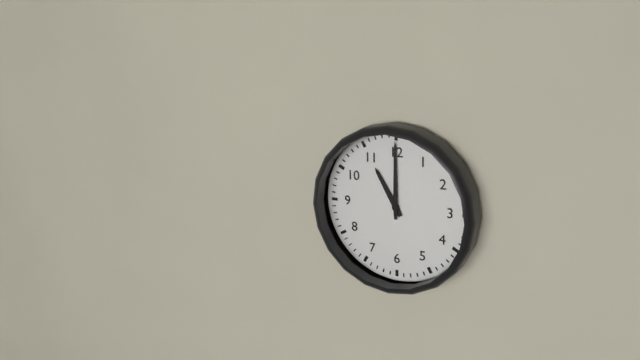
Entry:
h=11 m=0
